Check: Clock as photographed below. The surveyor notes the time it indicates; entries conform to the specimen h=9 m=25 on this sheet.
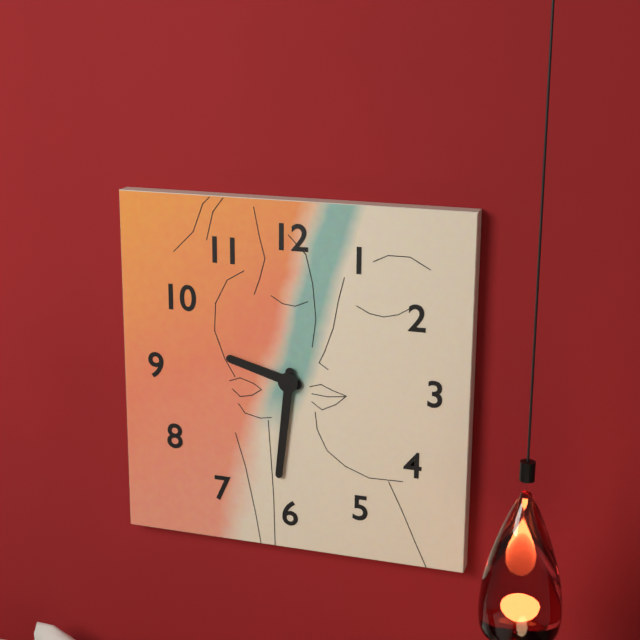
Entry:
h=9 m=31
